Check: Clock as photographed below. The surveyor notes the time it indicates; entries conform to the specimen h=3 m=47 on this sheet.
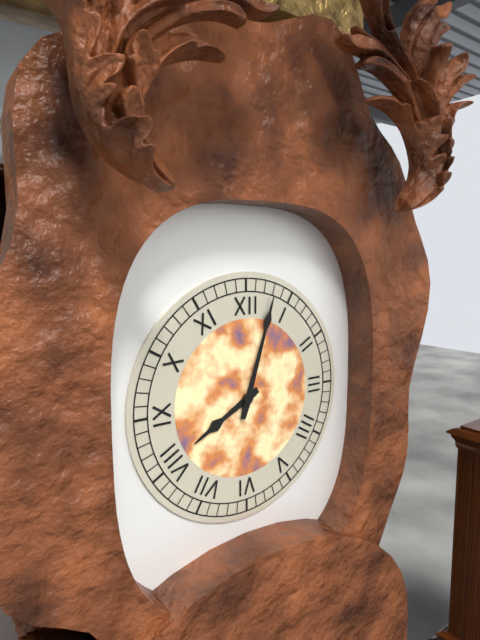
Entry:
h=8 m=3
